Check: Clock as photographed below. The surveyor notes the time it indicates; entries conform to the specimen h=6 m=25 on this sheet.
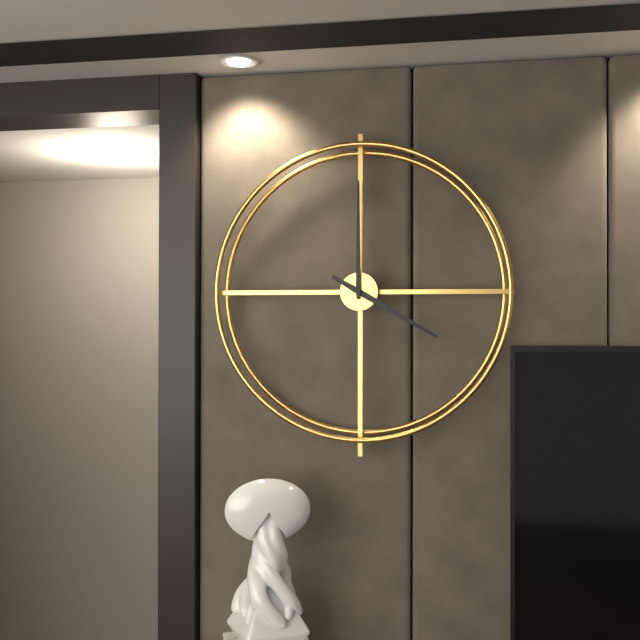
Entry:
h=4 m=0
